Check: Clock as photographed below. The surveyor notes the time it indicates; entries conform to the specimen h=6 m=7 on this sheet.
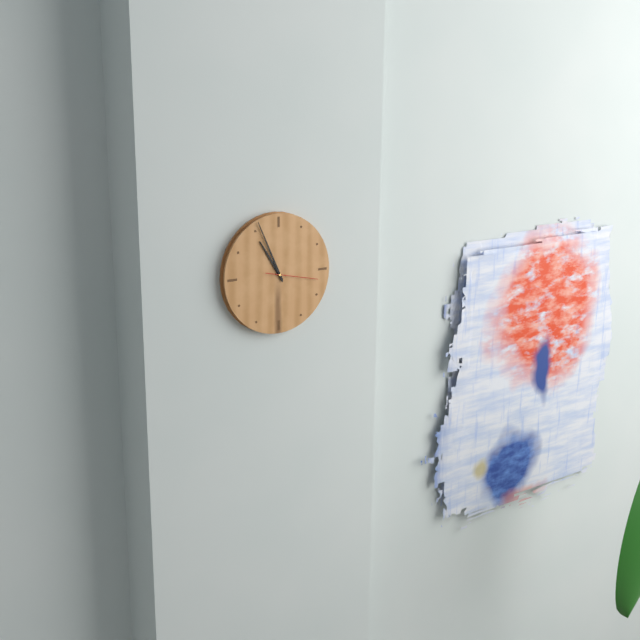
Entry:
h=10 m=56
